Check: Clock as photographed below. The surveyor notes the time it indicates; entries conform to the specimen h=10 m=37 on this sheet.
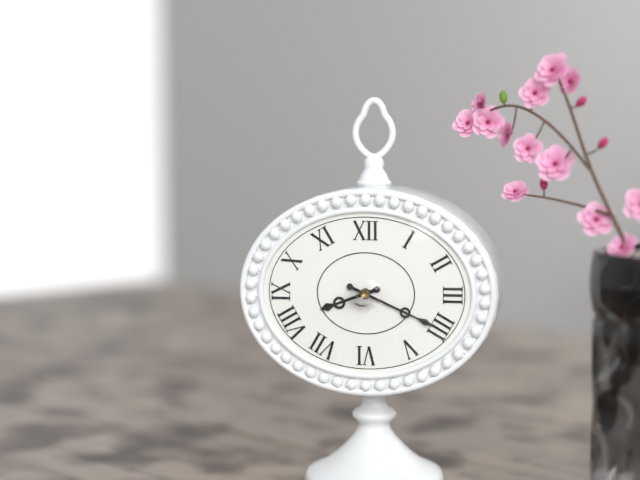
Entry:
h=8 m=19
